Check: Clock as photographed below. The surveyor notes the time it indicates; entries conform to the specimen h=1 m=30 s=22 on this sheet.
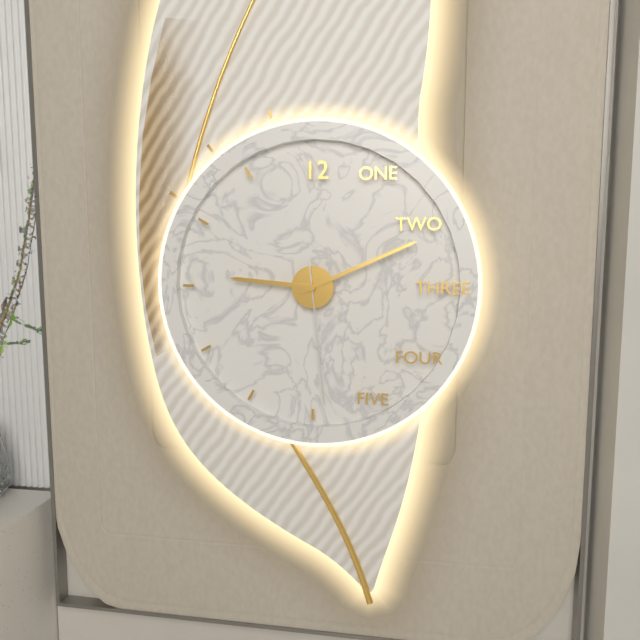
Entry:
h=9 m=11 s=29
